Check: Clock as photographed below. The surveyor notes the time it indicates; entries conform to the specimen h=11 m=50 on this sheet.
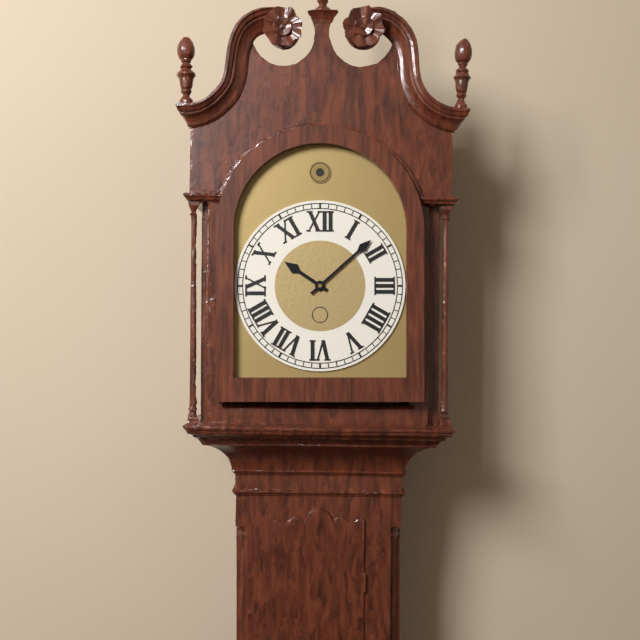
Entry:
h=10 m=8
